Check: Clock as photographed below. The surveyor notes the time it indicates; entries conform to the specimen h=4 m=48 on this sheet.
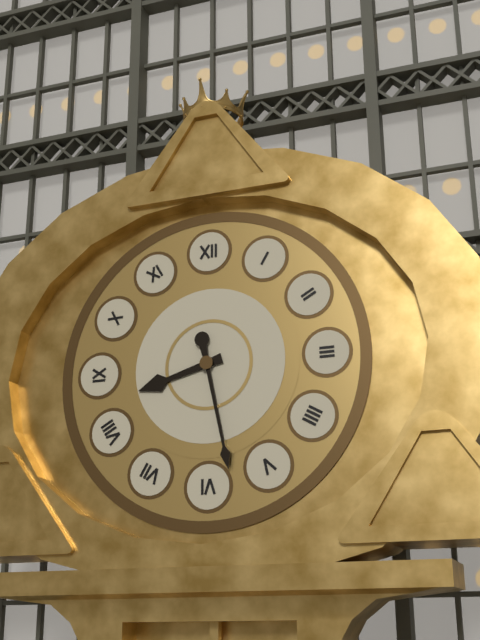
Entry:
h=8 m=28
